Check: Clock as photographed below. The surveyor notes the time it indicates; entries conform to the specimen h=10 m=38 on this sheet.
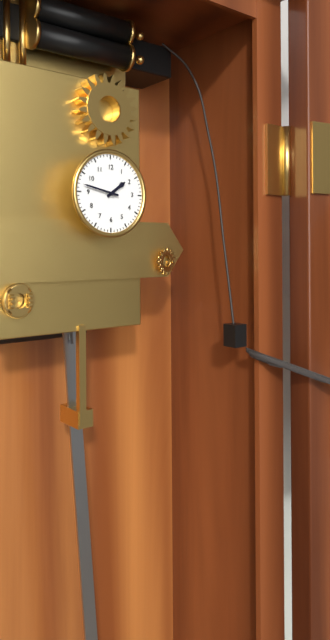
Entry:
h=1 m=47
